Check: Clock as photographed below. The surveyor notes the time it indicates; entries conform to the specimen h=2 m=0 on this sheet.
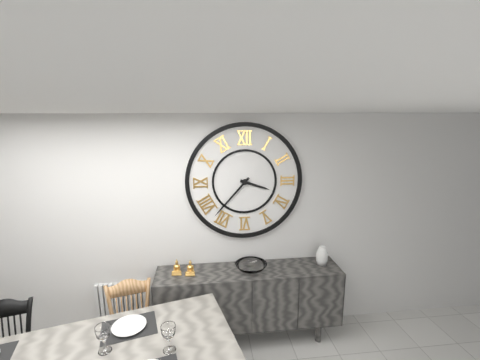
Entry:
h=3 m=37
